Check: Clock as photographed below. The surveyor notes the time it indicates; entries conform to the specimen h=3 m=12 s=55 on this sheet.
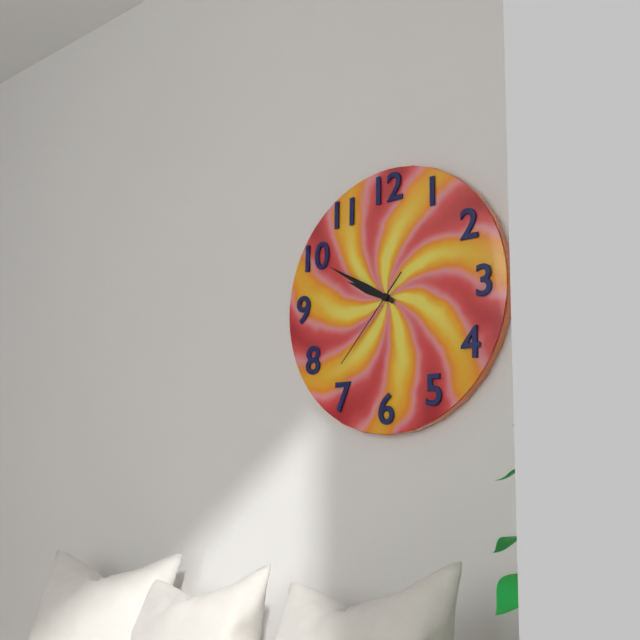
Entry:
h=9 m=50 s=37
